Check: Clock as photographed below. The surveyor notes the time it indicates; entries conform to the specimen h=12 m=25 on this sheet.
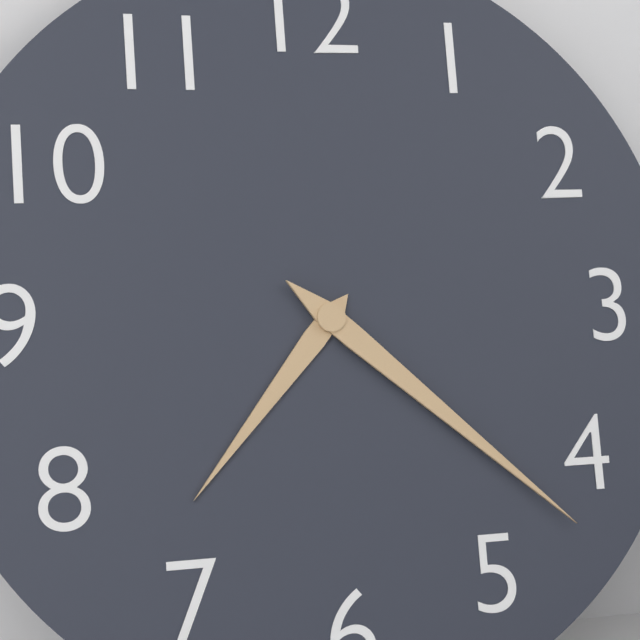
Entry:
h=7 m=22
